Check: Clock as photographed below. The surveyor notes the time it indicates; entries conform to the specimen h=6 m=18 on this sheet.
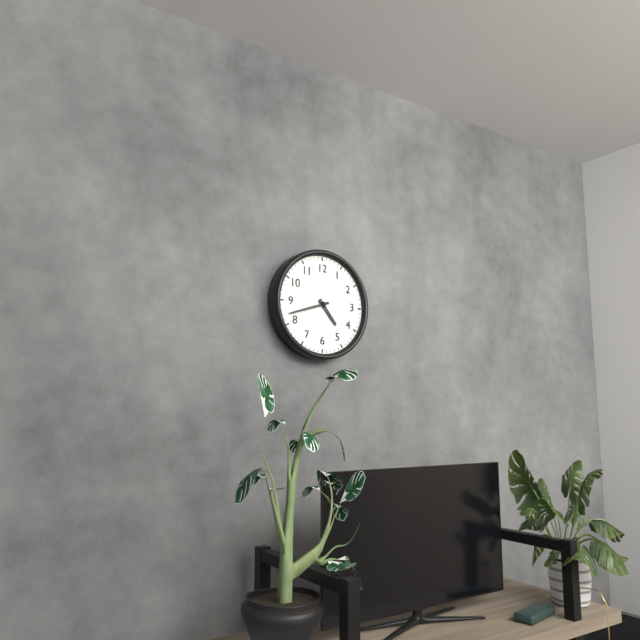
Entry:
h=4 m=42
